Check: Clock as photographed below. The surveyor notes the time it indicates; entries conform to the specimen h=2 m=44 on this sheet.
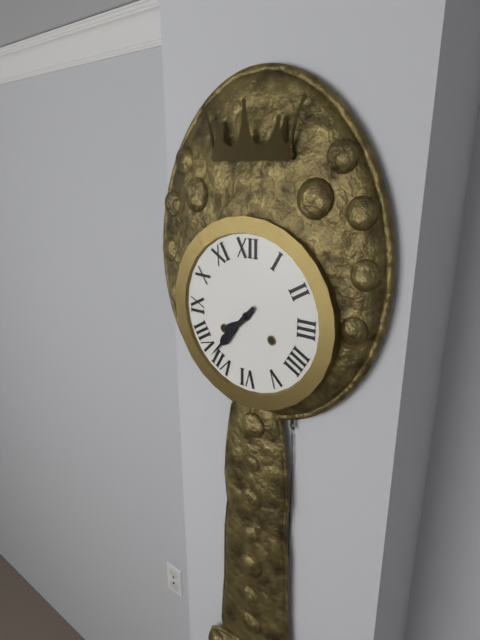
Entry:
h=7 m=37
